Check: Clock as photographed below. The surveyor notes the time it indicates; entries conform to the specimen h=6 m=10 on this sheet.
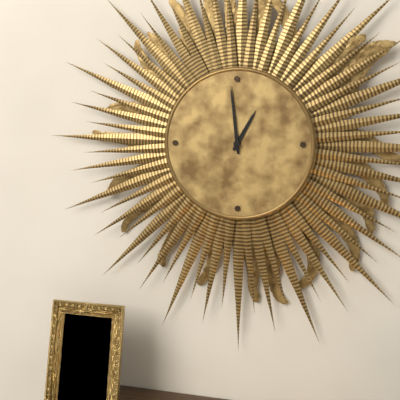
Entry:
h=12 m=59
